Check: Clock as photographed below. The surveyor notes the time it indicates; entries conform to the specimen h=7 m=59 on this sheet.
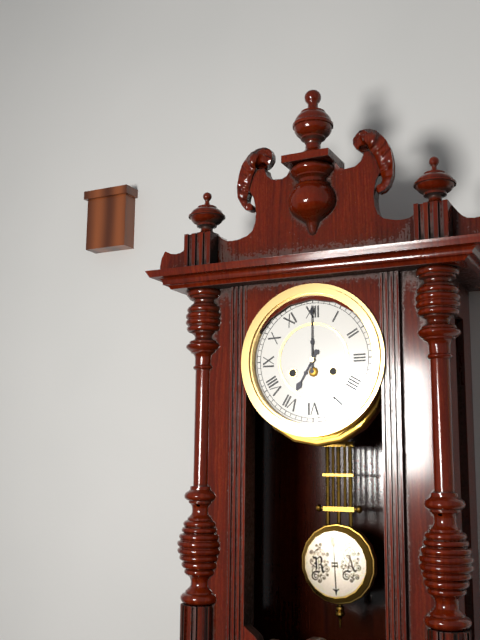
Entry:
h=7 m=0
